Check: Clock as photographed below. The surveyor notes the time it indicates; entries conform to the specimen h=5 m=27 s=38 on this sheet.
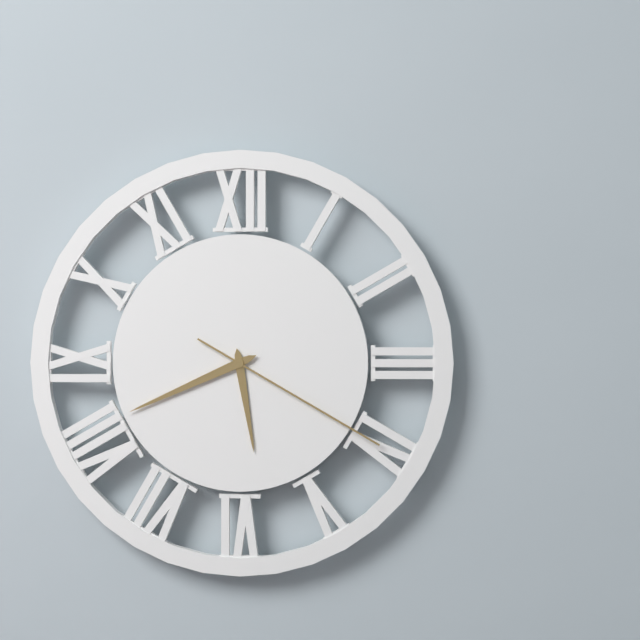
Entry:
h=5 m=41 s=20
